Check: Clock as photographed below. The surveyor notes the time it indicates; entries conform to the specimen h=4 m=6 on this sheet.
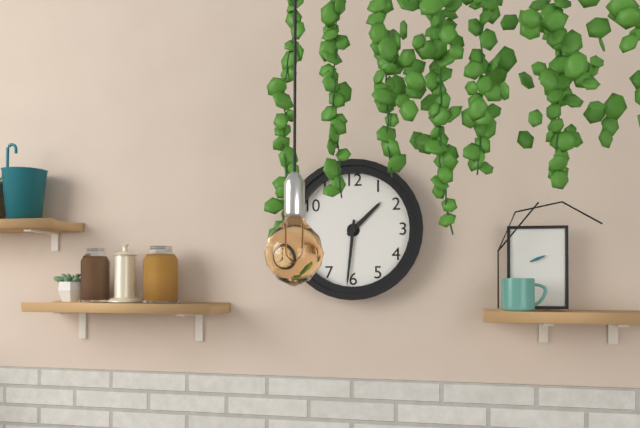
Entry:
h=1 m=31
